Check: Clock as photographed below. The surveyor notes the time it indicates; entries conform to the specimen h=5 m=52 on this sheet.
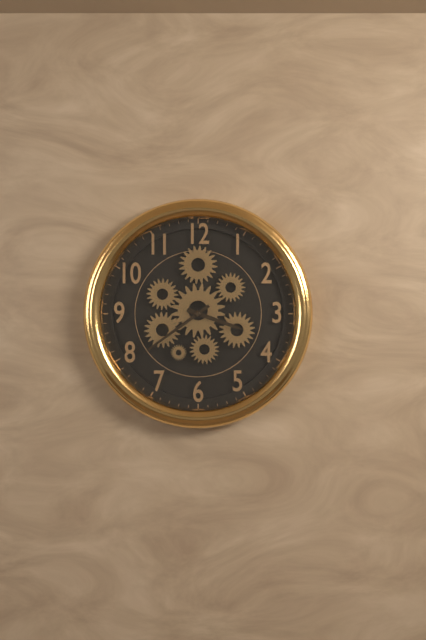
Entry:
h=3 m=39
